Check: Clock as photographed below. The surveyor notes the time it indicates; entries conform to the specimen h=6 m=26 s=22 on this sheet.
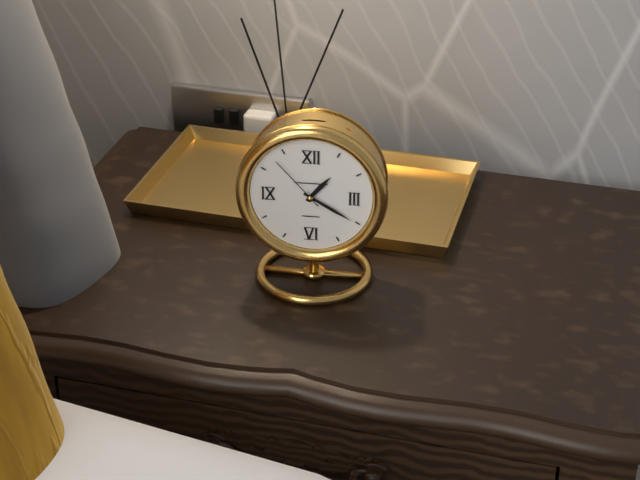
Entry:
h=1 m=20 s=53
